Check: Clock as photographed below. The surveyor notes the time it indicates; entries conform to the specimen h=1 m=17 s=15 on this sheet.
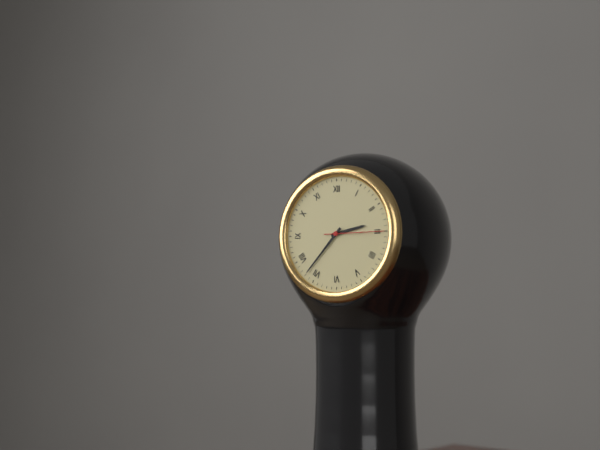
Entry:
h=2 m=37 s=15
